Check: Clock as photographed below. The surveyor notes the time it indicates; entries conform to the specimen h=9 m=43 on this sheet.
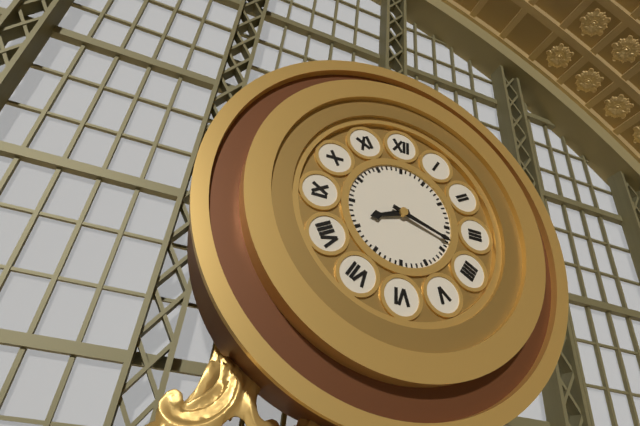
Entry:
h=8 m=18
